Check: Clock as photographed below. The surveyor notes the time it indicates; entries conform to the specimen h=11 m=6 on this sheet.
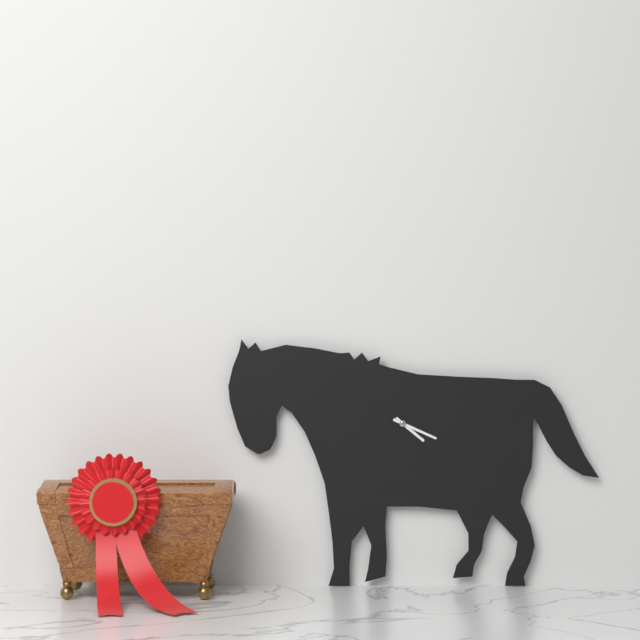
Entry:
h=4 m=19
